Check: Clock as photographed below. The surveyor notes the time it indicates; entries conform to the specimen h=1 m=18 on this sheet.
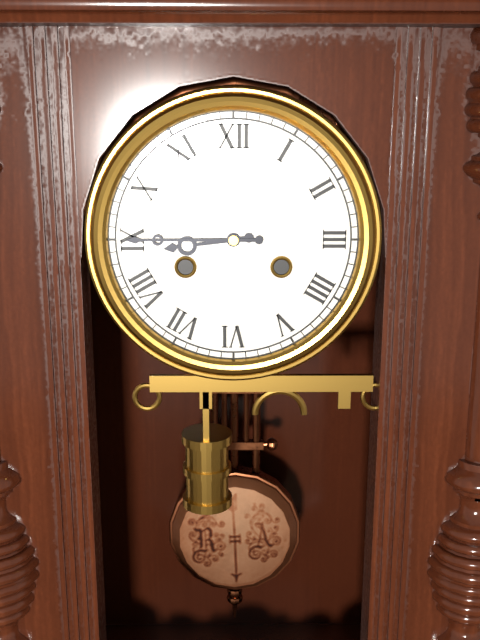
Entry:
h=8 m=45
